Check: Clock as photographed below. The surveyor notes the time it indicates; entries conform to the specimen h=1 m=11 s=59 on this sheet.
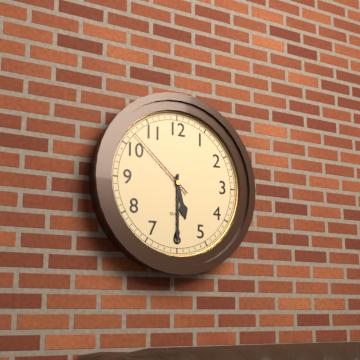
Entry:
h=5 m=30 s=52
